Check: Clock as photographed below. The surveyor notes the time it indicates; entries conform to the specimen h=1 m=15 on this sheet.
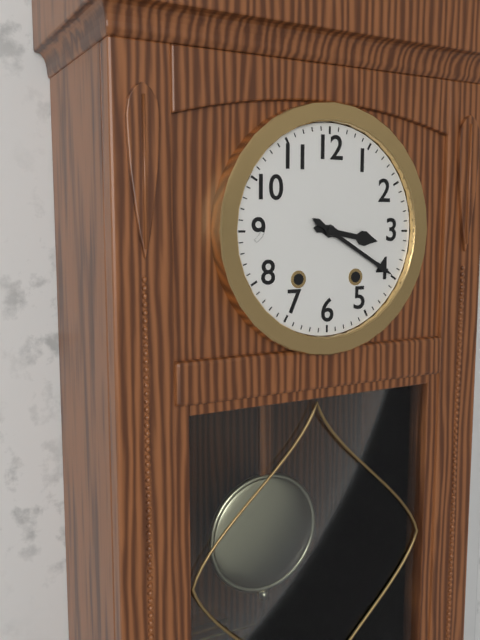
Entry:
h=3 m=20
